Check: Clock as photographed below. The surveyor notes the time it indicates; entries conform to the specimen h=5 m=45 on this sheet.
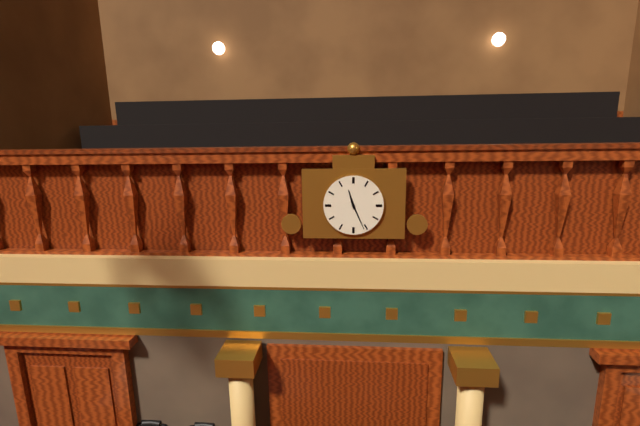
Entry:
h=11 m=26
